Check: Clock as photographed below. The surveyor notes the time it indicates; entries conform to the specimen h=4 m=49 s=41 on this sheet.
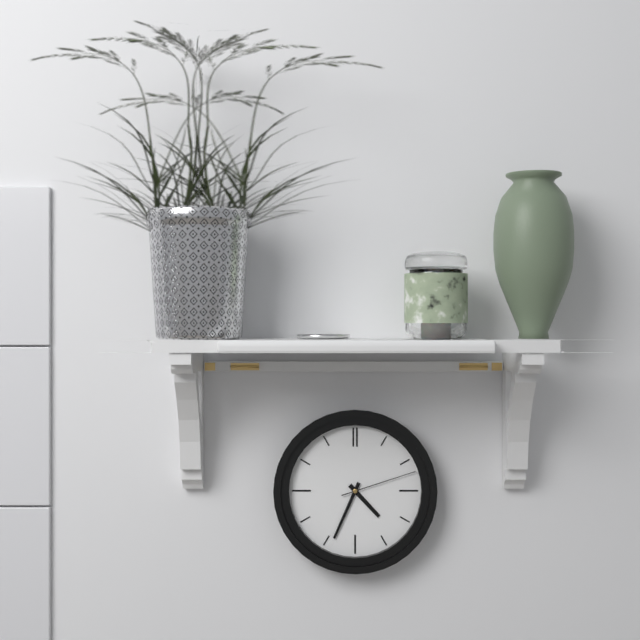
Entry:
h=4 m=34 s=12
